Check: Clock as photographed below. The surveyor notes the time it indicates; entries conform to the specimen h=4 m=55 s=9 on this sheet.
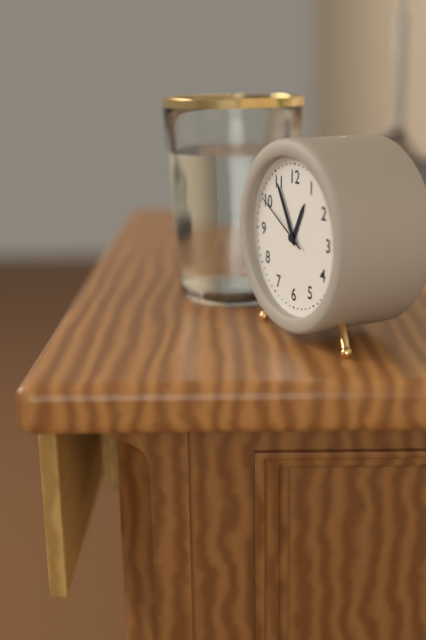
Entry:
h=12 m=55 s=50
